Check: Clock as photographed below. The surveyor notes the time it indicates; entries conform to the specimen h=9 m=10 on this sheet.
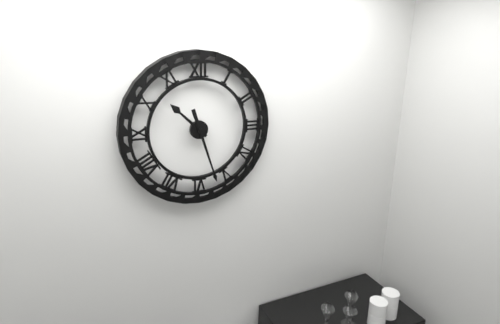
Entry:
h=10 m=27
